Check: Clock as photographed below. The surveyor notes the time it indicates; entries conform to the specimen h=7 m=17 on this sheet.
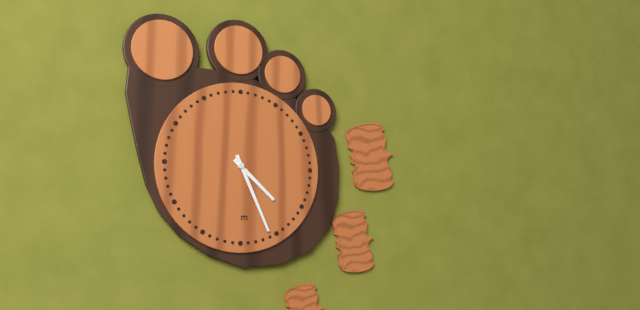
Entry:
h=4 m=26
